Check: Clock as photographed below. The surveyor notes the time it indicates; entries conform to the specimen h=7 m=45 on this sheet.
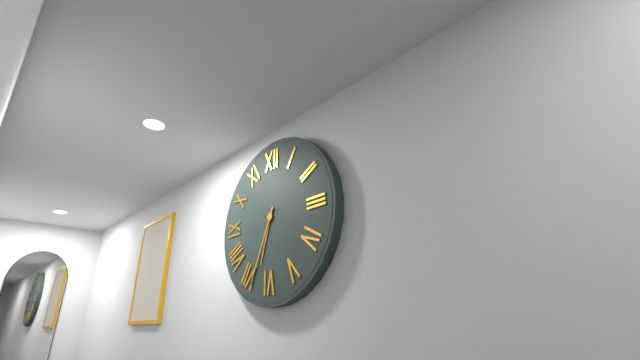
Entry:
h=6 m=34
